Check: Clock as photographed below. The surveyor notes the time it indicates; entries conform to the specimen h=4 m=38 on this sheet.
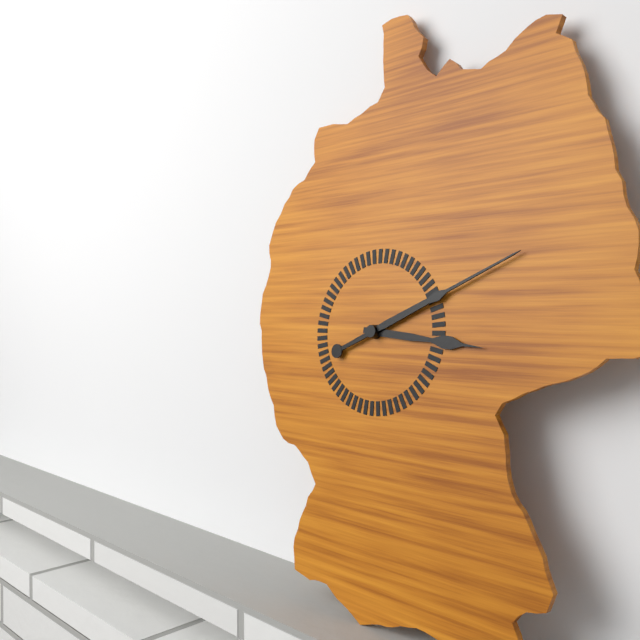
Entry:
h=3 m=11
